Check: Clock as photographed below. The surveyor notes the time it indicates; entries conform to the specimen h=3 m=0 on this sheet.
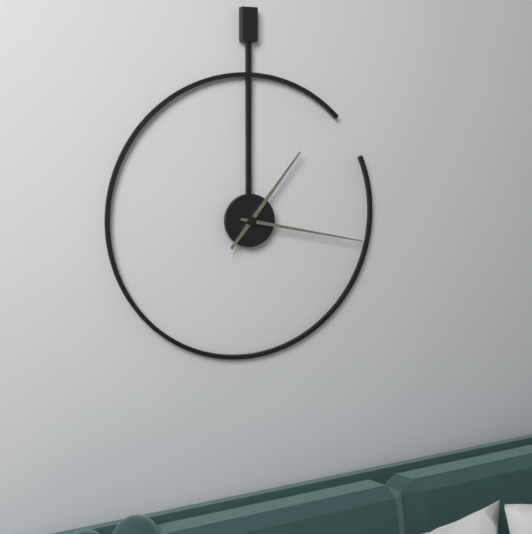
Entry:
h=1 m=17
